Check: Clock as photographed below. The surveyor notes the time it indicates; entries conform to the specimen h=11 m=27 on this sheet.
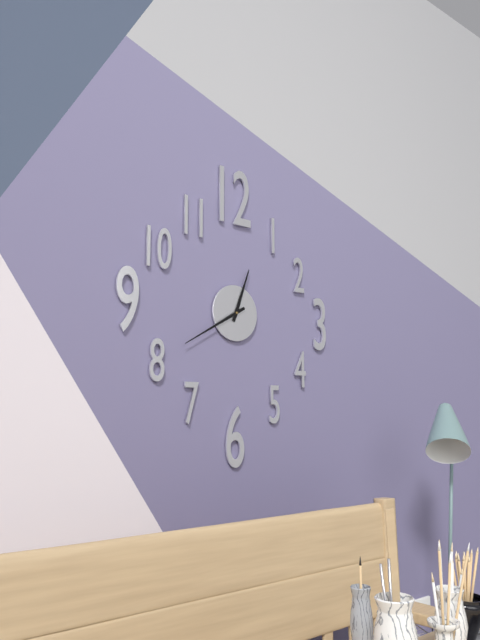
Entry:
h=12 m=40
